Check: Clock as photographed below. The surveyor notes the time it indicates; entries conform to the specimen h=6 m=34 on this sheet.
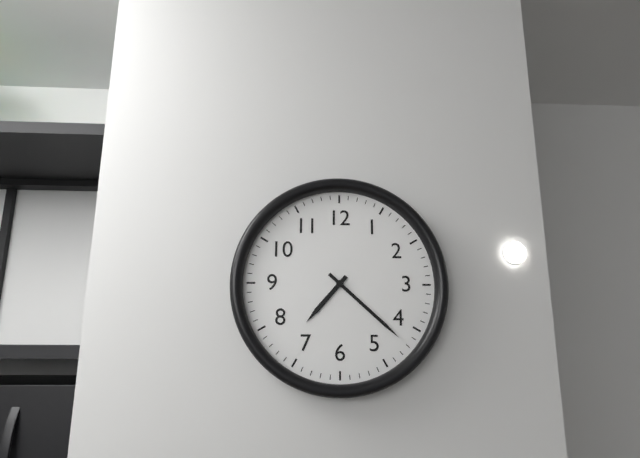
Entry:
h=7 m=22
